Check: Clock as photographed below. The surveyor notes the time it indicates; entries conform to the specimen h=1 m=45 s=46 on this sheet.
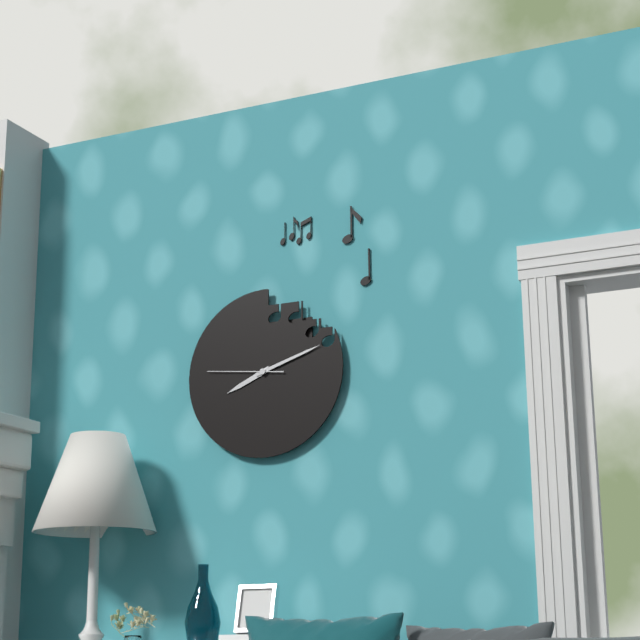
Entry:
h=8 m=12 s=46
